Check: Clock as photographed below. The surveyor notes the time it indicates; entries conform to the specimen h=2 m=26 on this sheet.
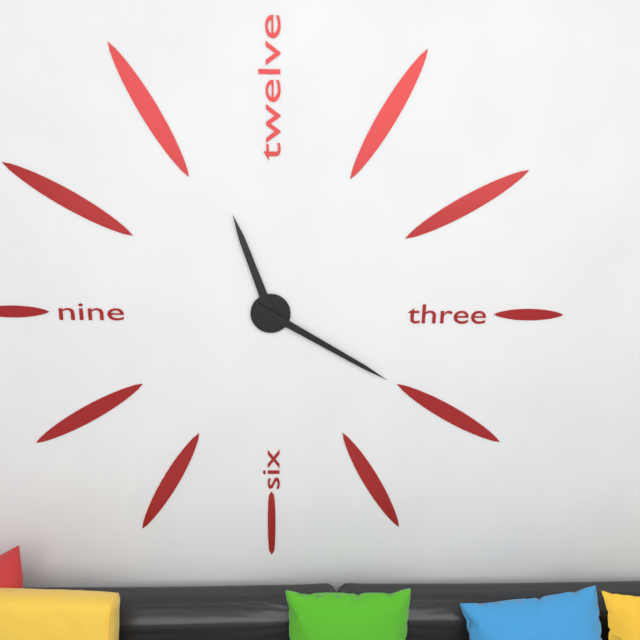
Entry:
h=11 m=20
